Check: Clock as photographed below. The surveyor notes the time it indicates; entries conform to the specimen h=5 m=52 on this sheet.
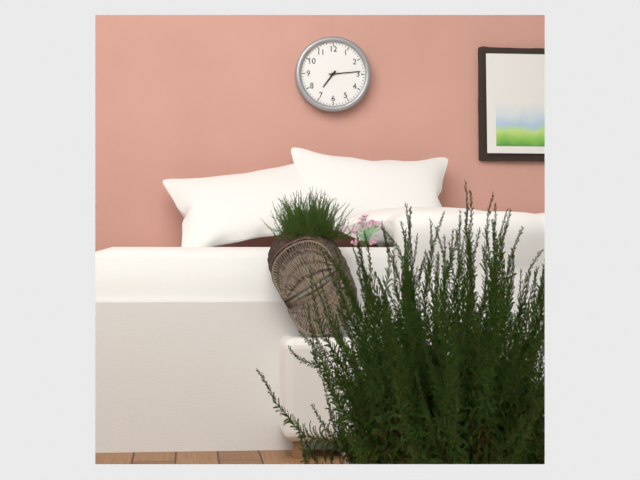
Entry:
h=7 m=14
